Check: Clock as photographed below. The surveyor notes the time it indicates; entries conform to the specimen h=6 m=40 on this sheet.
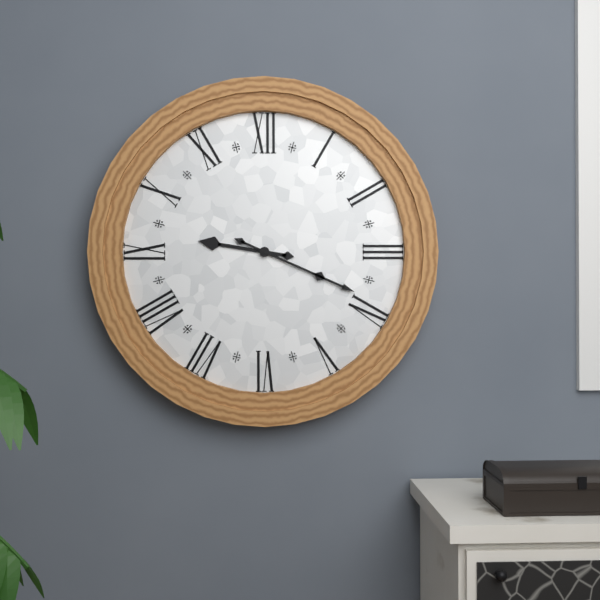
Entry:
h=9 m=19
